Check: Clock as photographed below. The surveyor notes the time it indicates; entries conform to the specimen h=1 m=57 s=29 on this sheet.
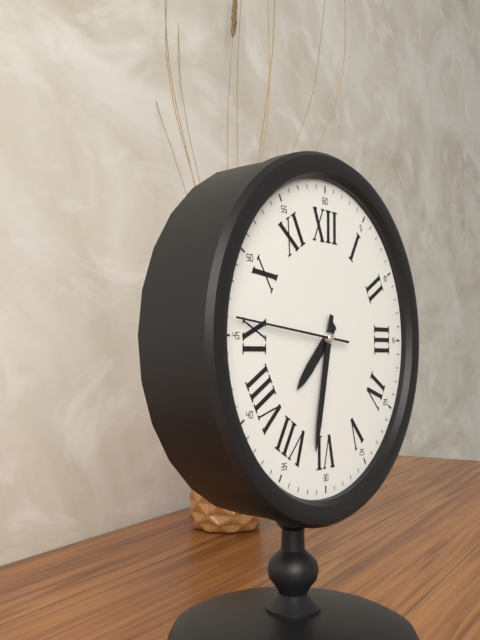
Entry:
h=7 m=32 s=46
